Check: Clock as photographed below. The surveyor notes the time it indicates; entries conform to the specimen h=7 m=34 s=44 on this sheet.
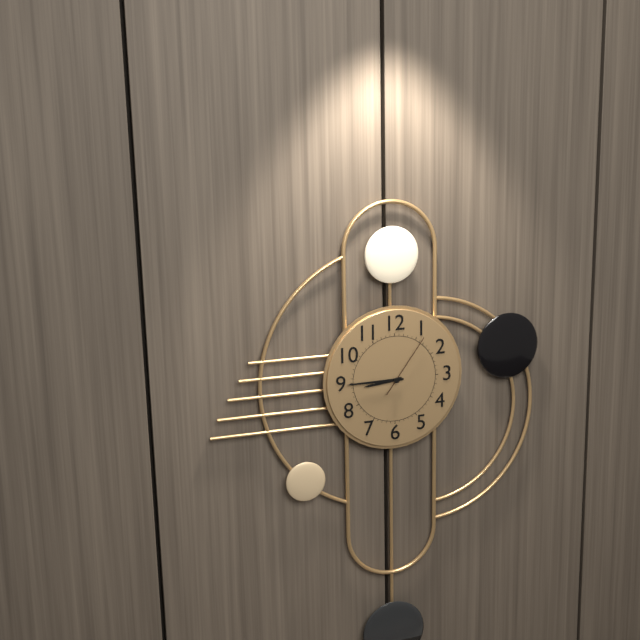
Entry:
h=8 m=45 s=6
